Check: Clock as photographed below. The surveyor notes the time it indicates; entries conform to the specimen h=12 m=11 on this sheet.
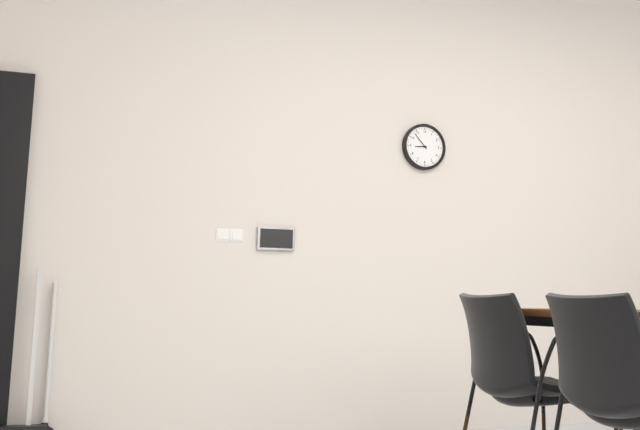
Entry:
h=8 m=53
